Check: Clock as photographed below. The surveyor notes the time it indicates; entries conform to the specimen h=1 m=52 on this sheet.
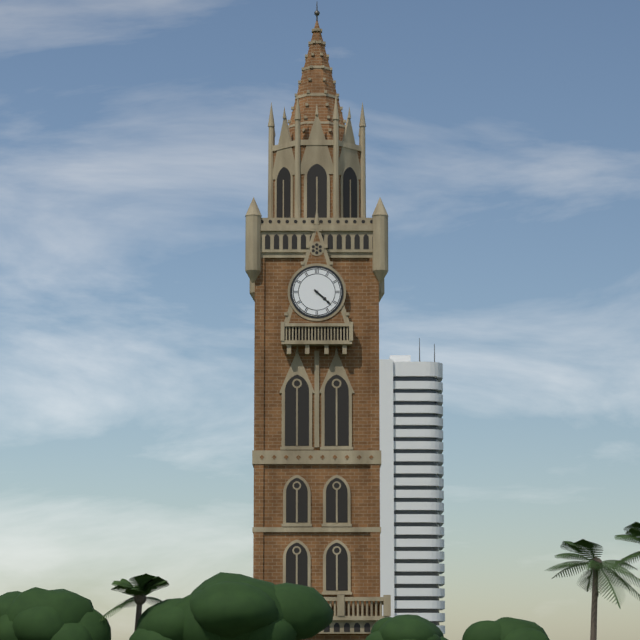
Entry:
h=4 m=22
